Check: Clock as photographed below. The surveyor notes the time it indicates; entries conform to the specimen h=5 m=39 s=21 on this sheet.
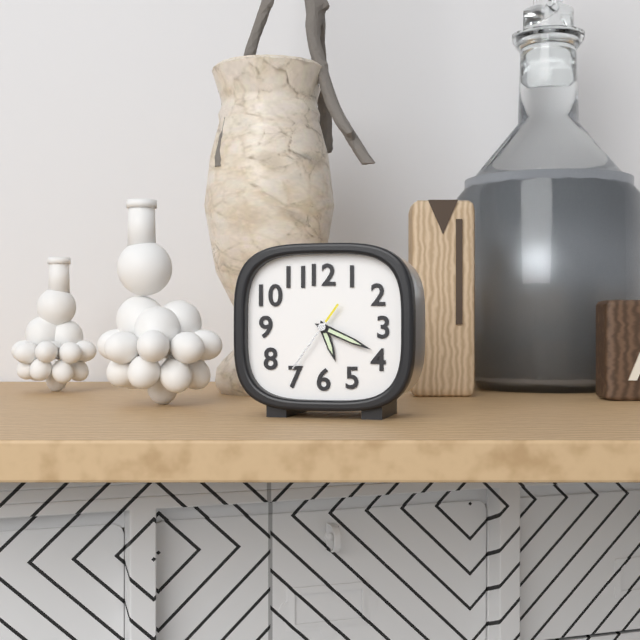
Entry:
h=5 m=19 s=36
